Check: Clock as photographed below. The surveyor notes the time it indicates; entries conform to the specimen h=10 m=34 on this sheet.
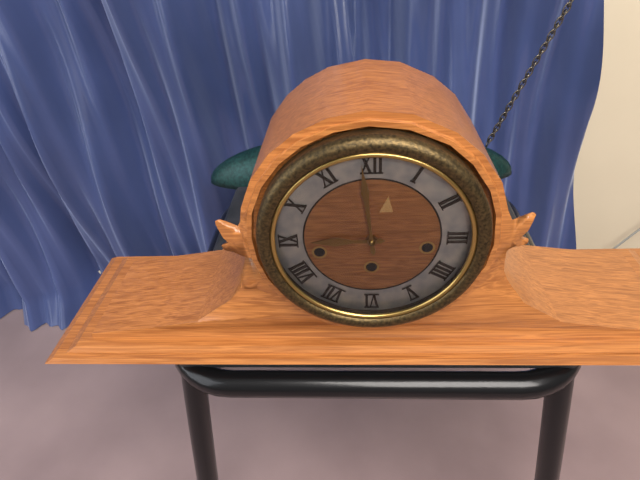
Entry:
h=8 m=59
